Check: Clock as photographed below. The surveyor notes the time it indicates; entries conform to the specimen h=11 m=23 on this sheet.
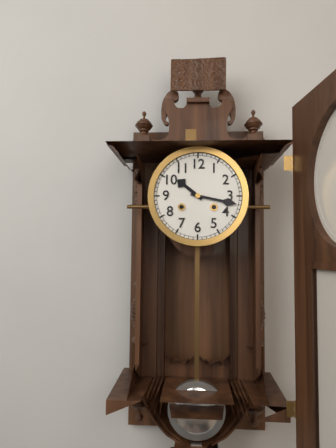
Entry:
h=10 m=17
